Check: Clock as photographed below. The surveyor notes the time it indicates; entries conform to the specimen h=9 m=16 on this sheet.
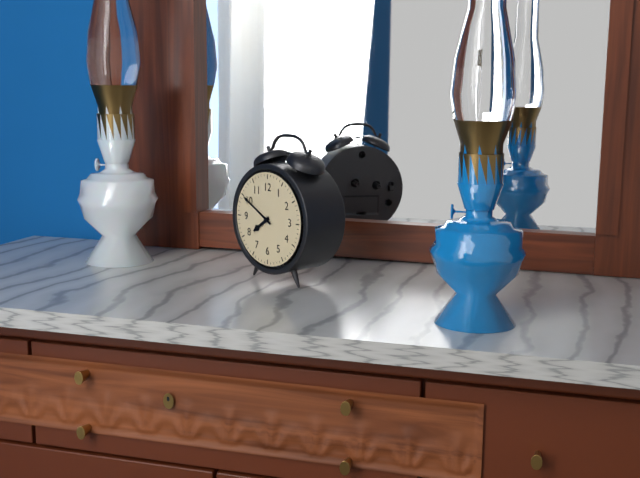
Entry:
h=7 m=50
